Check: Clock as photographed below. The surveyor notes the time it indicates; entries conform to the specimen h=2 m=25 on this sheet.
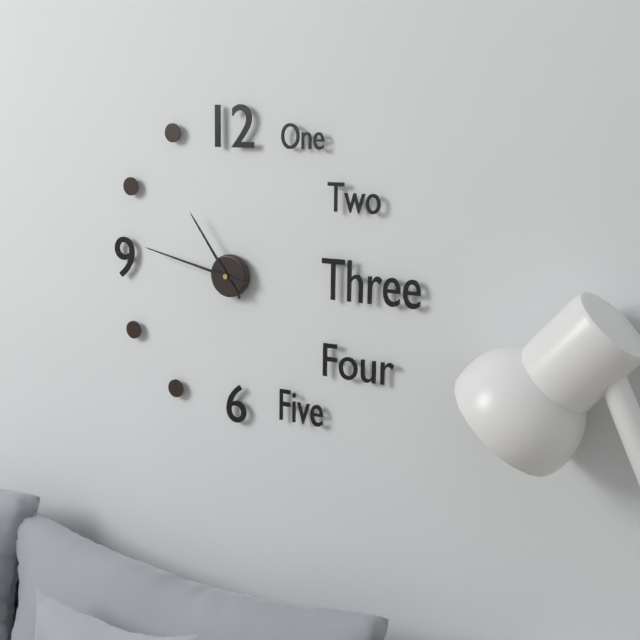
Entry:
h=10 m=47
